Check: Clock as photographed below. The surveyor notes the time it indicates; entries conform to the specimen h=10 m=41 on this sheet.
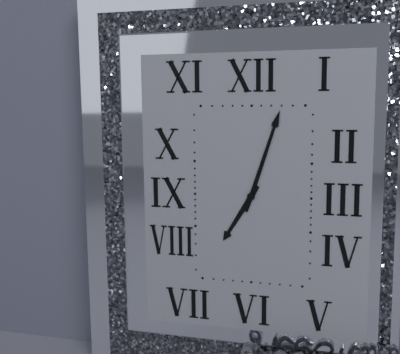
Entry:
h=7 m=3
